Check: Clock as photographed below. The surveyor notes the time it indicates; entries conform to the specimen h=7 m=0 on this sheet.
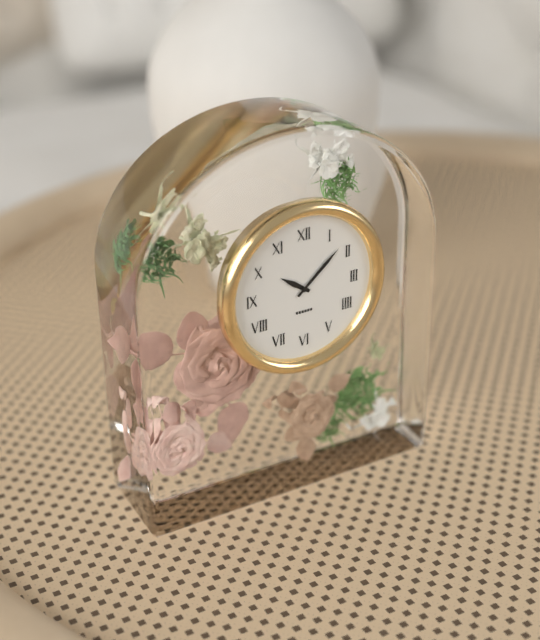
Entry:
h=10 m=8
